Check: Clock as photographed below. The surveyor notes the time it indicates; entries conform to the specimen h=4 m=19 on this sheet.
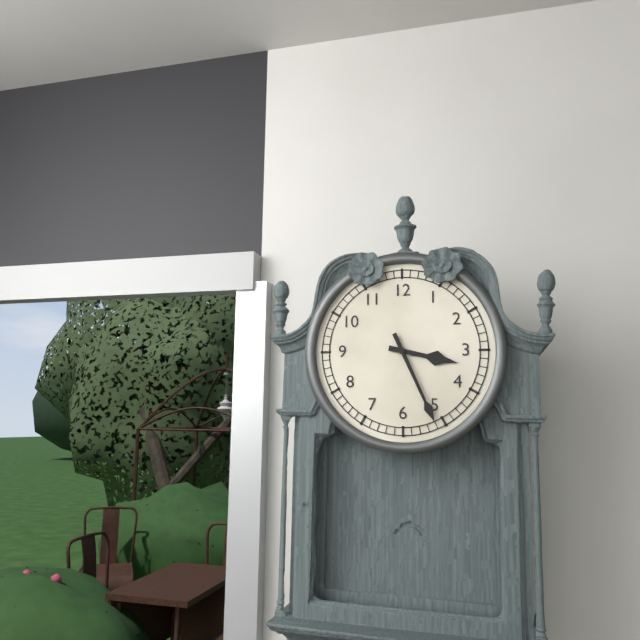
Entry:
h=3 m=26
